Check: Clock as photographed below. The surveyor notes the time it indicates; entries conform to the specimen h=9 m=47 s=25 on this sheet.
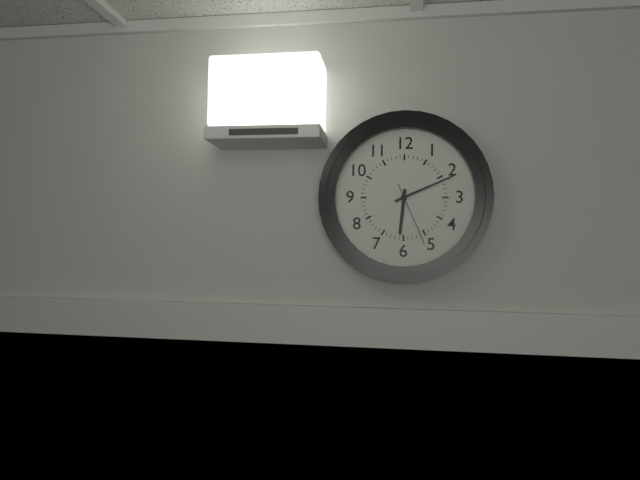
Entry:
h=6 m=11 s=26
